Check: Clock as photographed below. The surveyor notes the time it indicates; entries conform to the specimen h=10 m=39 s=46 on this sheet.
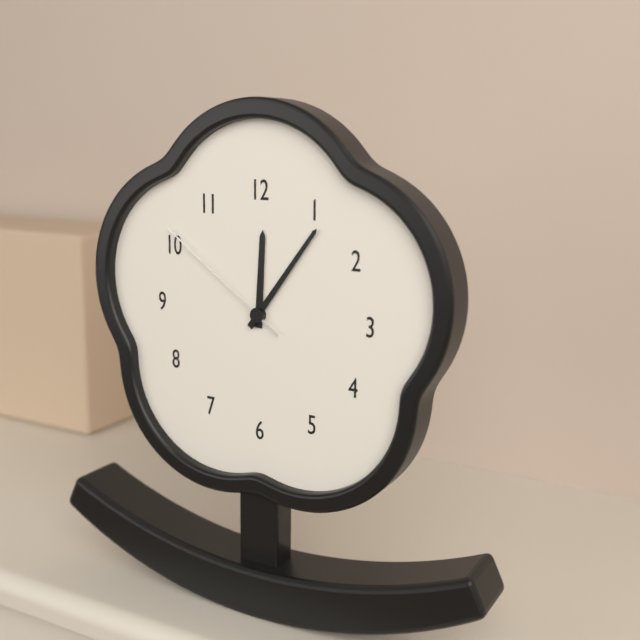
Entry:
h=12 m=6 s=51
